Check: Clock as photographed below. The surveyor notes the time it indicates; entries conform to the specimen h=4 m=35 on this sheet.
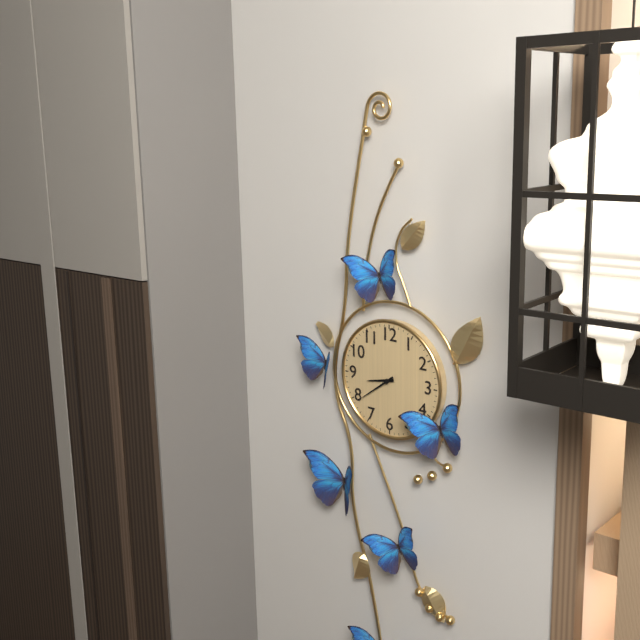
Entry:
h=8 m=39
